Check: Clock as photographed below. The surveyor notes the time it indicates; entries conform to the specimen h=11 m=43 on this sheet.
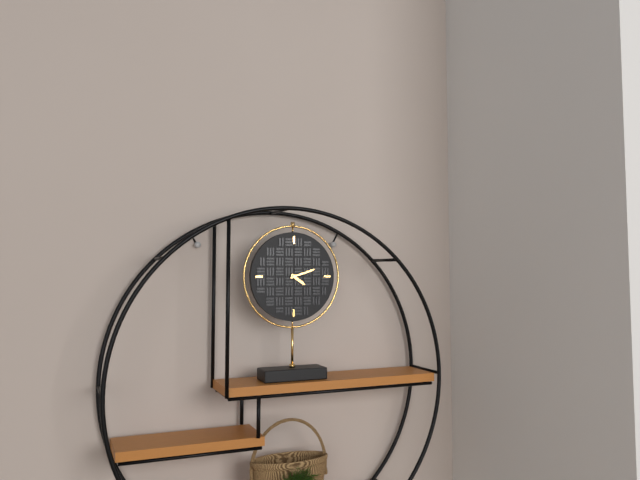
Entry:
h=4 m=12
